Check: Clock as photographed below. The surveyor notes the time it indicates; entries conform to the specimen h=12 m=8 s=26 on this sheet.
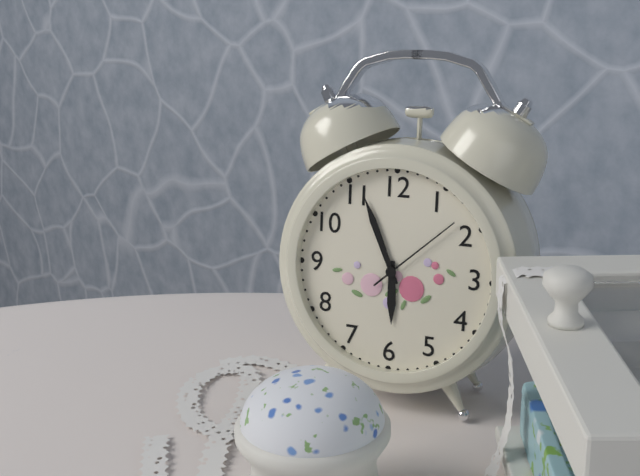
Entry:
h=5 m=56 s=8
